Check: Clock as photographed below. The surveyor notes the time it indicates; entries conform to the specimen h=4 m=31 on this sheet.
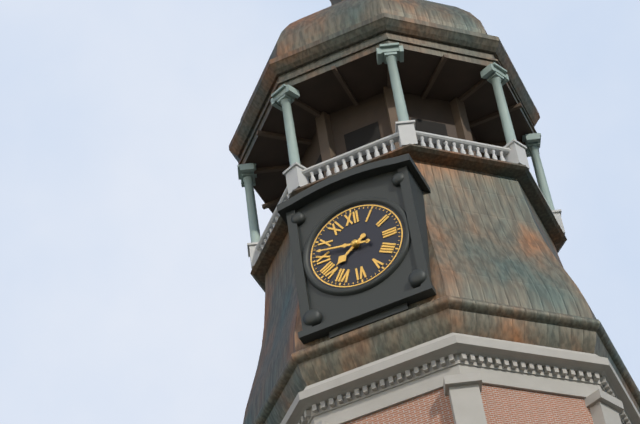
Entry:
h=7 m=47
